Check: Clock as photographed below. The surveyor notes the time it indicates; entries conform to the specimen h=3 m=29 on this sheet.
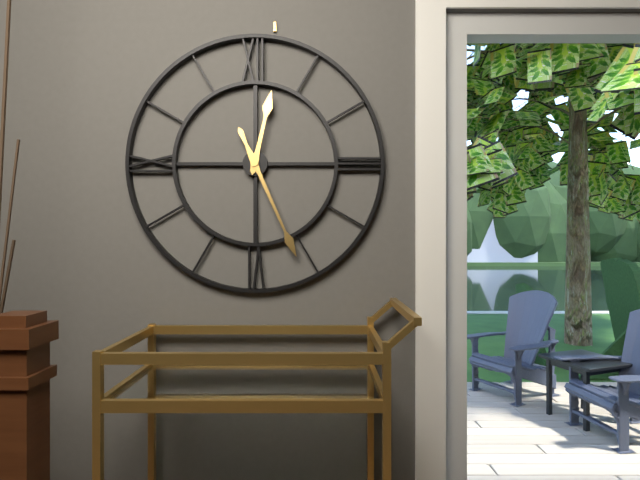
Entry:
h=12 m=26
